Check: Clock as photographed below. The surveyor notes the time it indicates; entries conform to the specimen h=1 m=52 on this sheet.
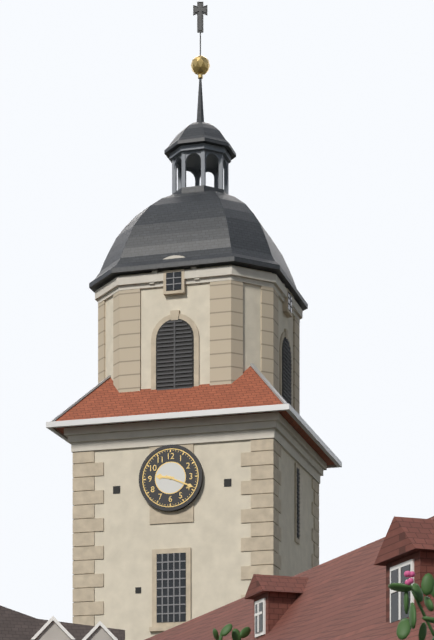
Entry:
h=9 m=19
